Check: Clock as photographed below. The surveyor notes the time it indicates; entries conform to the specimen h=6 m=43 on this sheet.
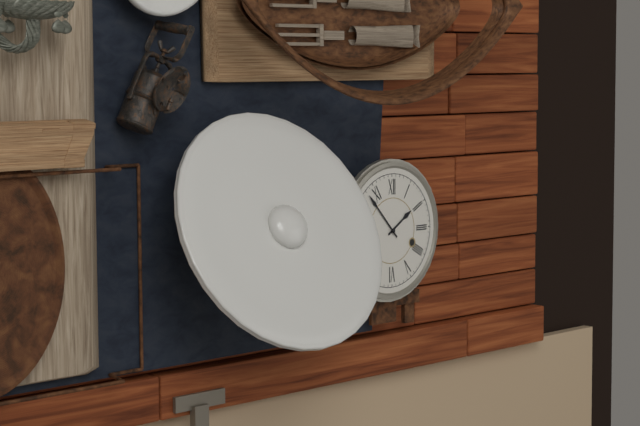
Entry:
h=1 m=53
